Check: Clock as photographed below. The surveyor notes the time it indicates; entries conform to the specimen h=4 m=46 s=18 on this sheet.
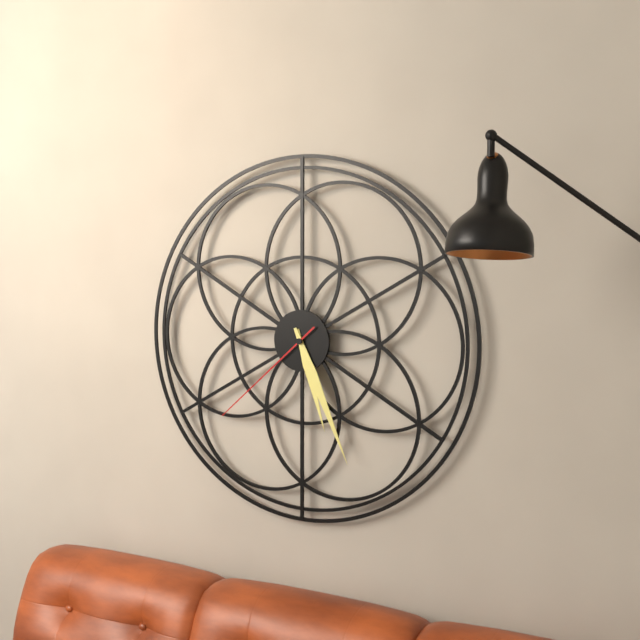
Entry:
h=5 m=26 s=38
